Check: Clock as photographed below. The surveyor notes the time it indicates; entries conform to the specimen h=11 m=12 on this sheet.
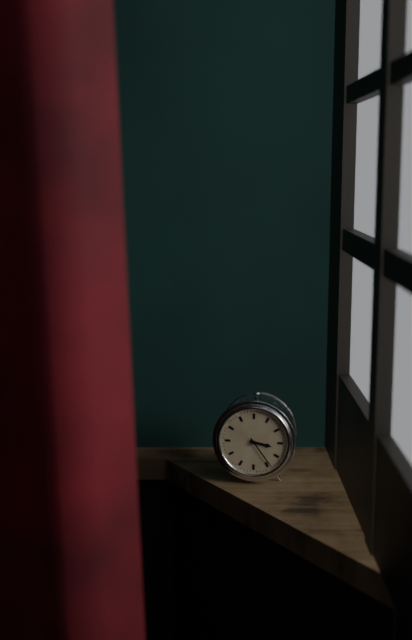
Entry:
h=3 m=24
